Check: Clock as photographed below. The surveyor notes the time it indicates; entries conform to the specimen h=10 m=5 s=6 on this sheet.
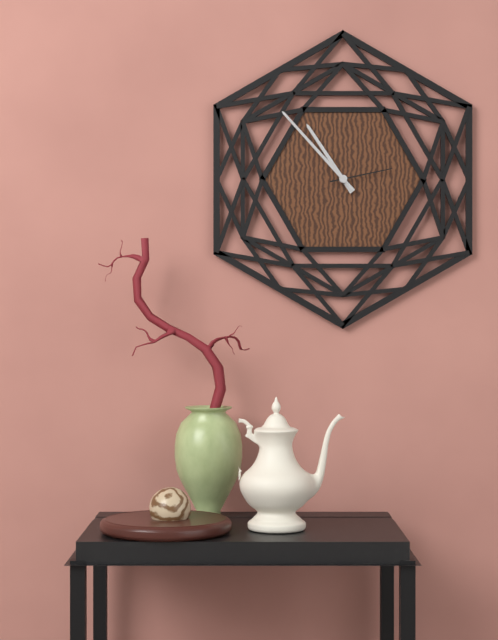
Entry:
h=10 m=53 s=13
